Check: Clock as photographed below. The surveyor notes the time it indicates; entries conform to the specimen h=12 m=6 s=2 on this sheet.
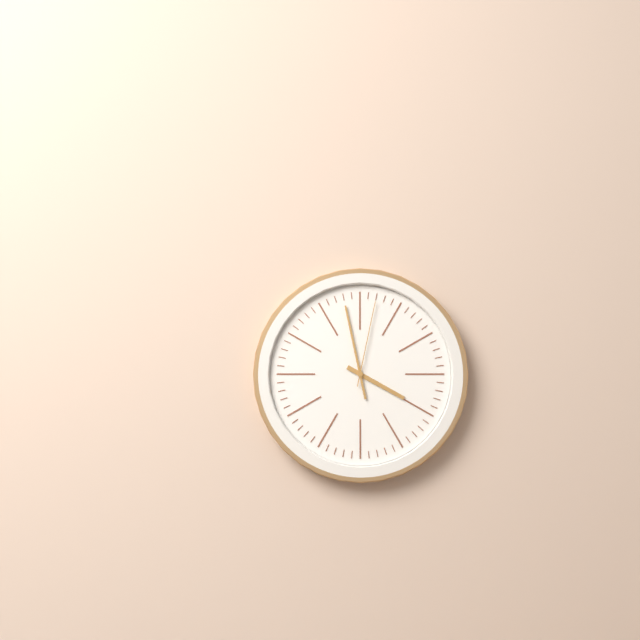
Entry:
h=3 m=58 s=2
